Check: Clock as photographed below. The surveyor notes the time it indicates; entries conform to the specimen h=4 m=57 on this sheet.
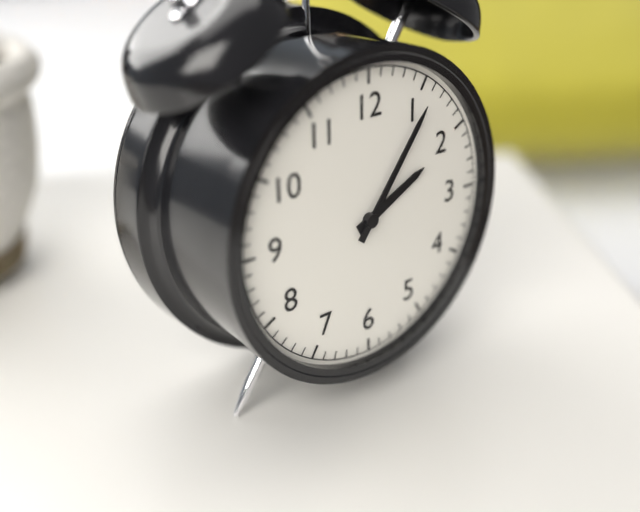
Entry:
h=2 m=6
